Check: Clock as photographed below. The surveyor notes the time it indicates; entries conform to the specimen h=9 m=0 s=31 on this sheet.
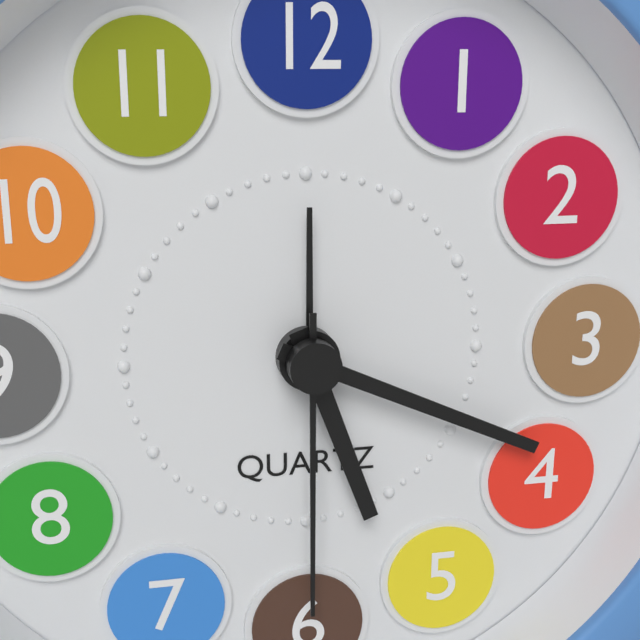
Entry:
h=5 m=19 s=30
